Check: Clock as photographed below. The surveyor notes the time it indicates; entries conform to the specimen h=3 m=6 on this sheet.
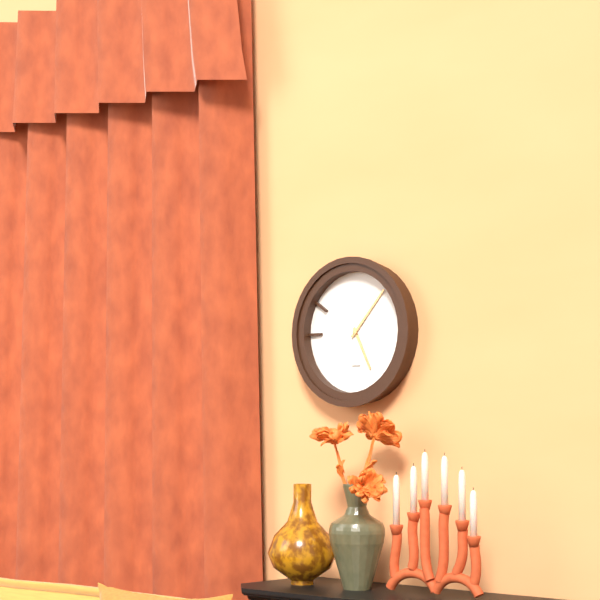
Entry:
h=5 m=7
